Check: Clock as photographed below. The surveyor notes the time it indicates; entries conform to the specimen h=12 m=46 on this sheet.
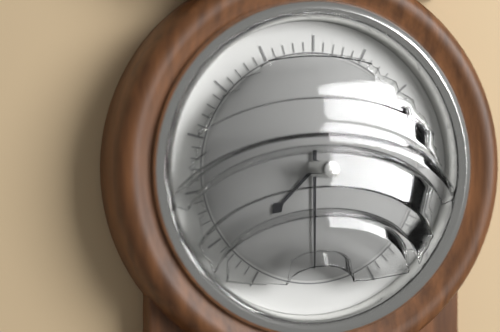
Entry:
h=7 m=30
